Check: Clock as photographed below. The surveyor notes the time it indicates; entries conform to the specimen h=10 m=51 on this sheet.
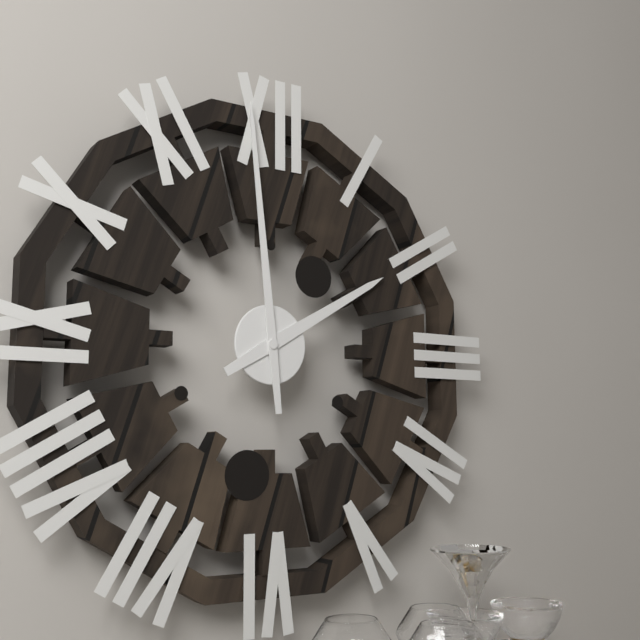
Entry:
h=1 m=59
